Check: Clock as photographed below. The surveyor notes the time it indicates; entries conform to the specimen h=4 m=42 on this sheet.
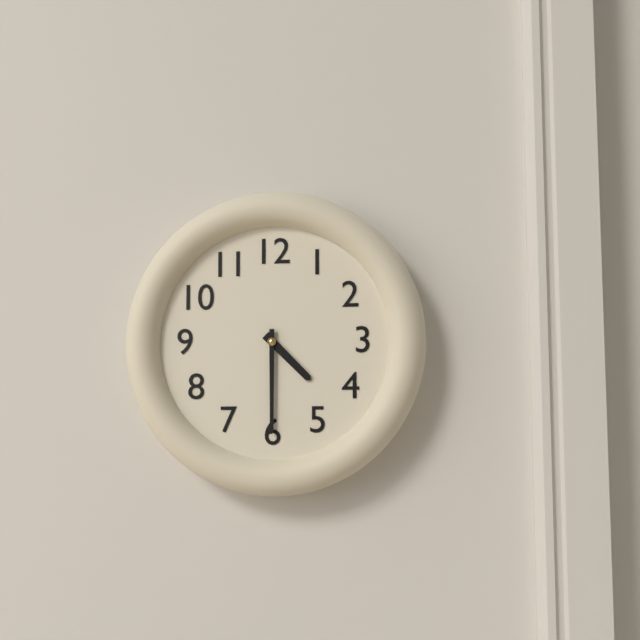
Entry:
h=4 m=30
